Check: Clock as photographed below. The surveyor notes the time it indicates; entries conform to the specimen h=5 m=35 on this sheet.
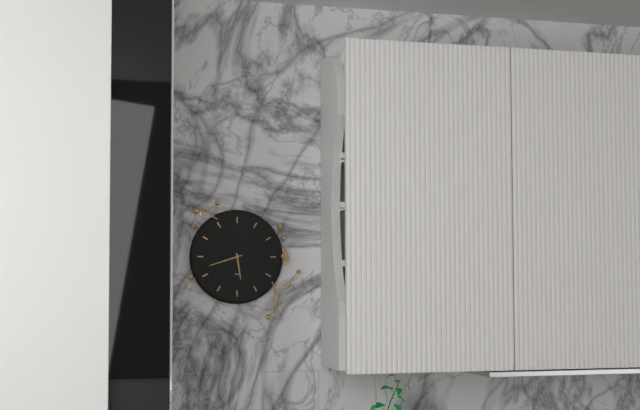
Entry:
h=5 m=42
